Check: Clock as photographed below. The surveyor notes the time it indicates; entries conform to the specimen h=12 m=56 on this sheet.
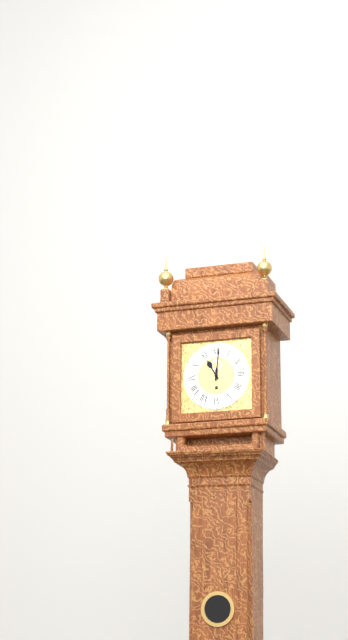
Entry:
h=11 m=1
